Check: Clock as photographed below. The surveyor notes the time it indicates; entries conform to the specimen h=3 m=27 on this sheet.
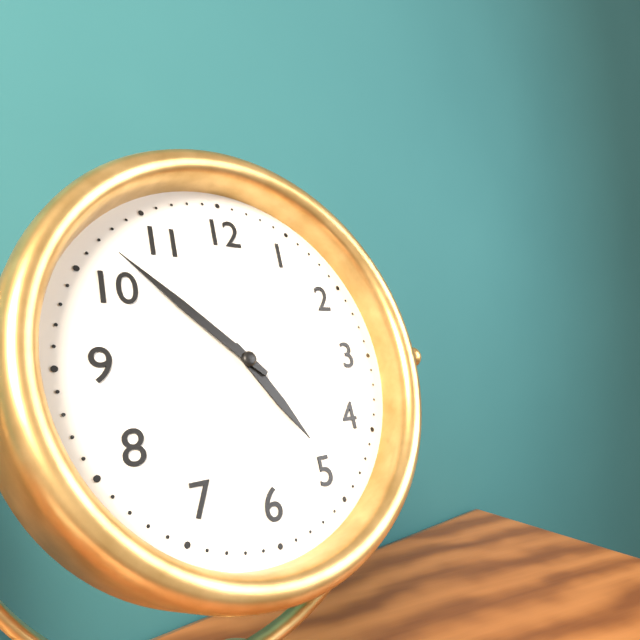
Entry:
h=4 m=52
